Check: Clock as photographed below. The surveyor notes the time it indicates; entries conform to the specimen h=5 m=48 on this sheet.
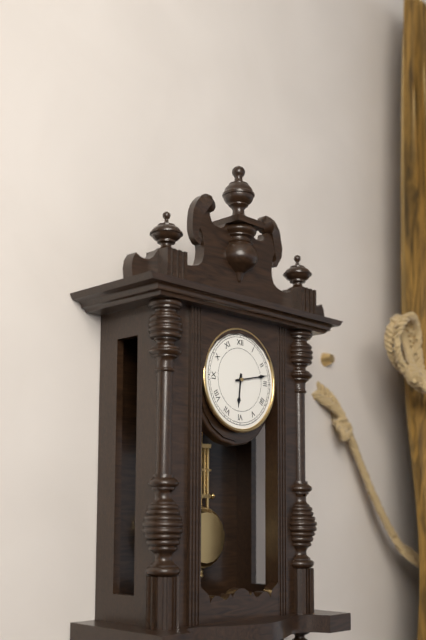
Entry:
h=6 m=13
